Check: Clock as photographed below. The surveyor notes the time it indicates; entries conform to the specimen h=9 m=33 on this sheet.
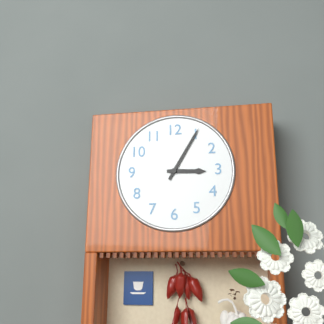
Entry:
h=3 m=5
